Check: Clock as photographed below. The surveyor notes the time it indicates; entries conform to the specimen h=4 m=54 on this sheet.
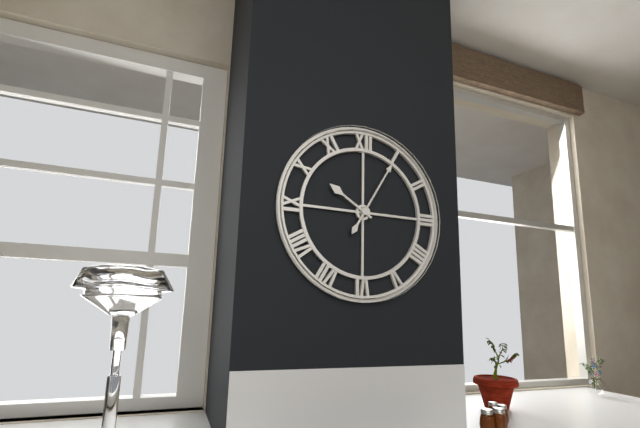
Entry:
h=10 m=5
